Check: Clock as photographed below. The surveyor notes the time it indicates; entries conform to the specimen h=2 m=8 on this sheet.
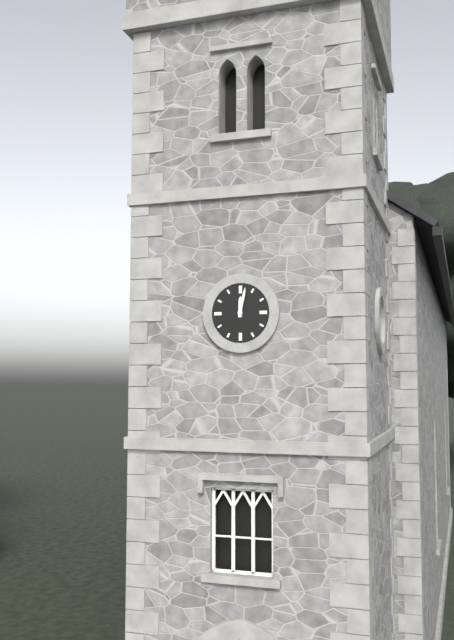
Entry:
h=12 m=2
